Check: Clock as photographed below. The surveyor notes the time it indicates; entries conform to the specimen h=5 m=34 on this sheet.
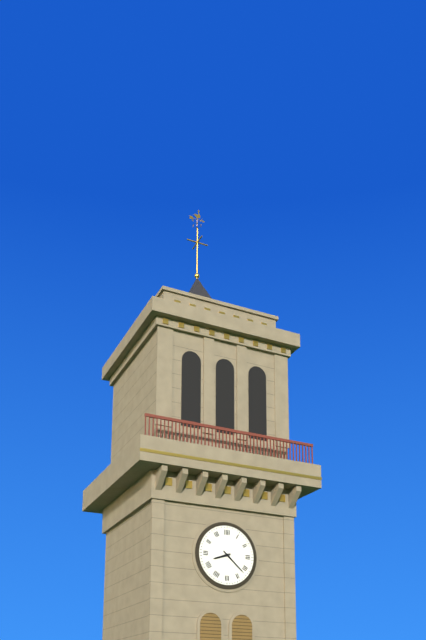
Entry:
h=8 m=22
